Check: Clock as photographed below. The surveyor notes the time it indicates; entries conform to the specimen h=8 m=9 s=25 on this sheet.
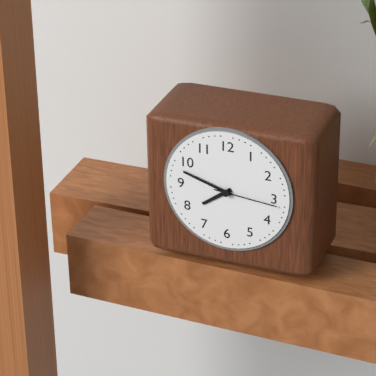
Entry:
h=7 m=48 s=16
